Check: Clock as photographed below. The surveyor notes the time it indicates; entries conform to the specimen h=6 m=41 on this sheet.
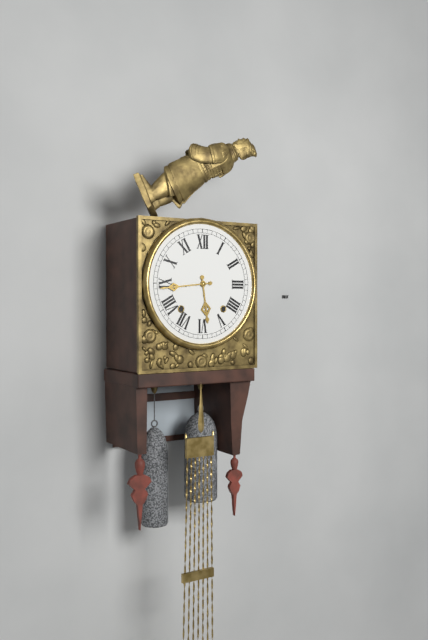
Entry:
h=5 m=44
